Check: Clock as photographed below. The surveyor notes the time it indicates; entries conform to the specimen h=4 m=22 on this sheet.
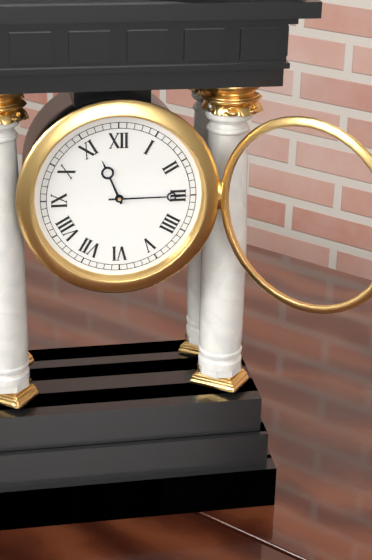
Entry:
h=11 m=15
